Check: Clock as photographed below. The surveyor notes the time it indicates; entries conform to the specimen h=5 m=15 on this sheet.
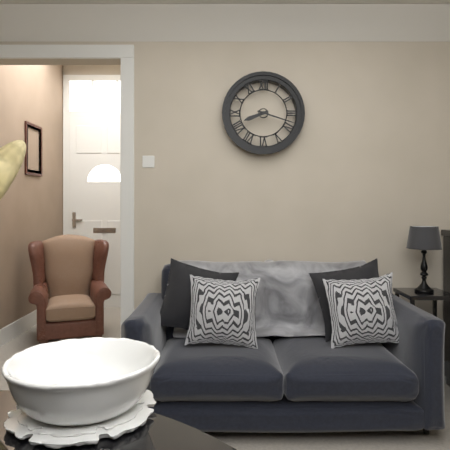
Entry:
h=8 m=18
